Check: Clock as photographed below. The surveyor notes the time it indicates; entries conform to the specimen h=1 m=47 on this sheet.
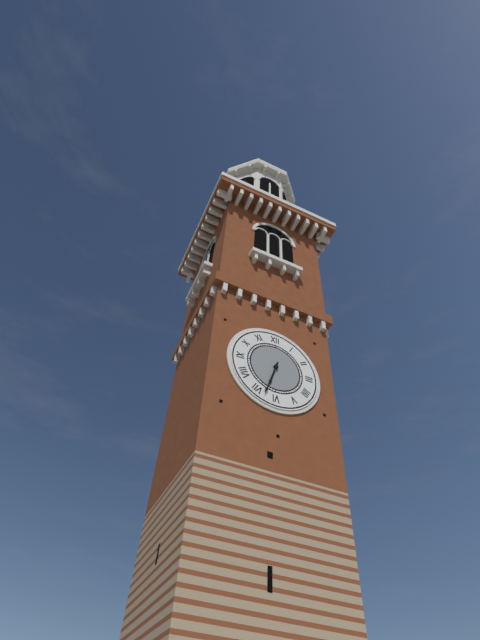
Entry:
h=6 m=33
